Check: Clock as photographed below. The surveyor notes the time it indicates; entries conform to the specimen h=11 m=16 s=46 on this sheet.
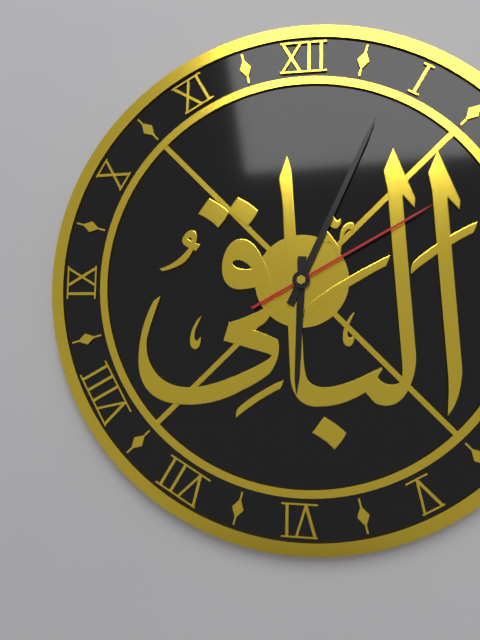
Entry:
h=6 m=4 s=10
